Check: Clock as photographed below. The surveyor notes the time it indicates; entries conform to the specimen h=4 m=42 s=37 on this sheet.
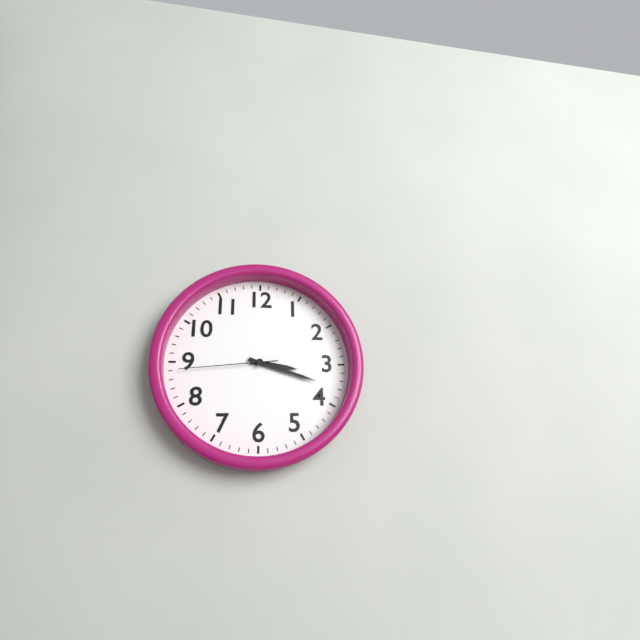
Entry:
h=3 m=18 s=44
